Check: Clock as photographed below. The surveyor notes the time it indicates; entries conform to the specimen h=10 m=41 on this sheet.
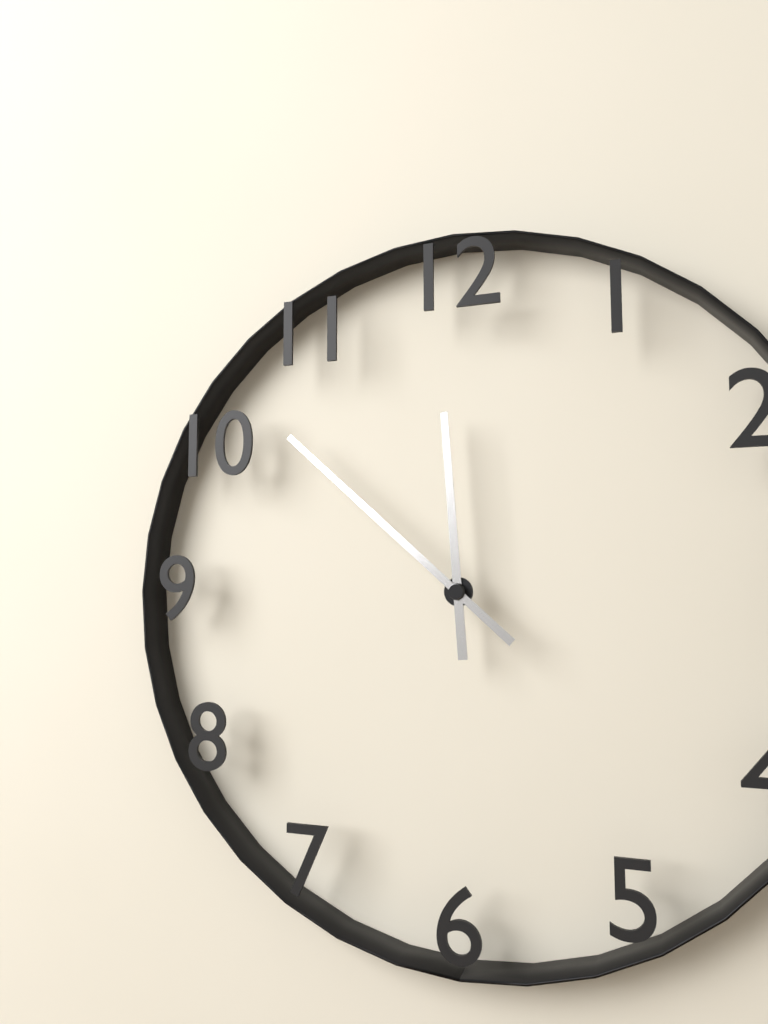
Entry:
h=11 m=52
